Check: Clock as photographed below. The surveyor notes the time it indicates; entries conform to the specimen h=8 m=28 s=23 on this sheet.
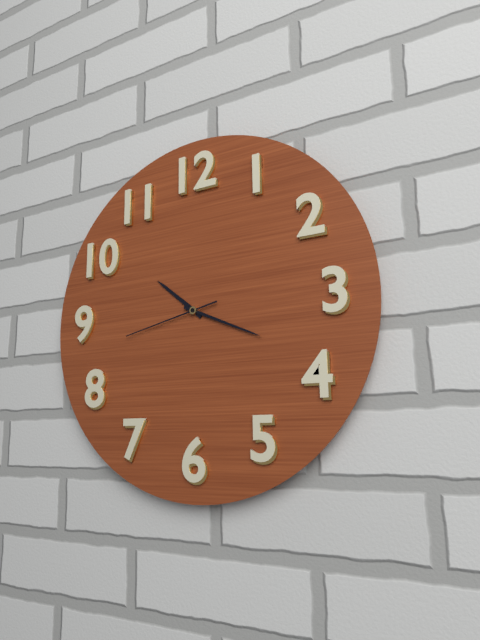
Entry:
h=10 m=19 s=43
